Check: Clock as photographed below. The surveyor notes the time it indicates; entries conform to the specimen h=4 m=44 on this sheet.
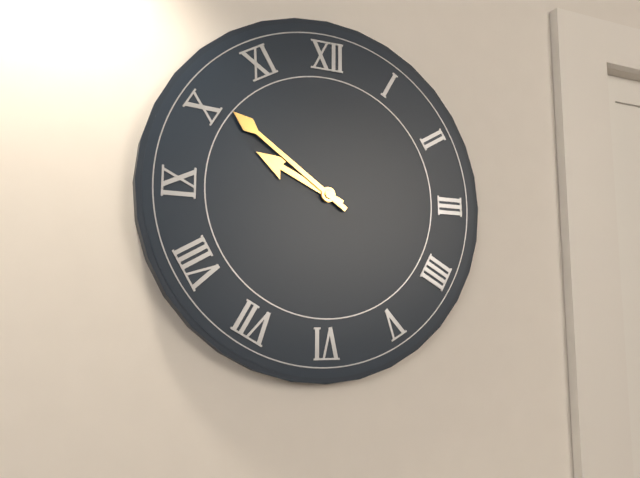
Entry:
h=9 m=51
